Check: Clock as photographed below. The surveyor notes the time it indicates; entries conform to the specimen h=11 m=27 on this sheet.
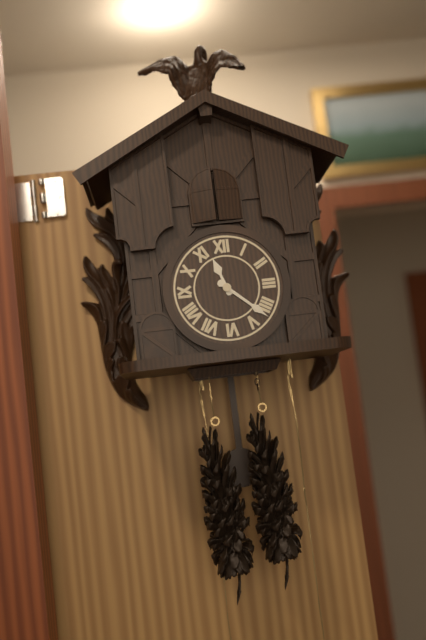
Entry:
h=11 m=22
